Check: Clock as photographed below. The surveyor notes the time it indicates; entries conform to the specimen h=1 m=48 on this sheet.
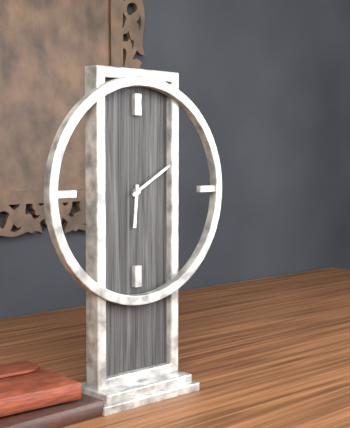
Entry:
h=6 m=10
